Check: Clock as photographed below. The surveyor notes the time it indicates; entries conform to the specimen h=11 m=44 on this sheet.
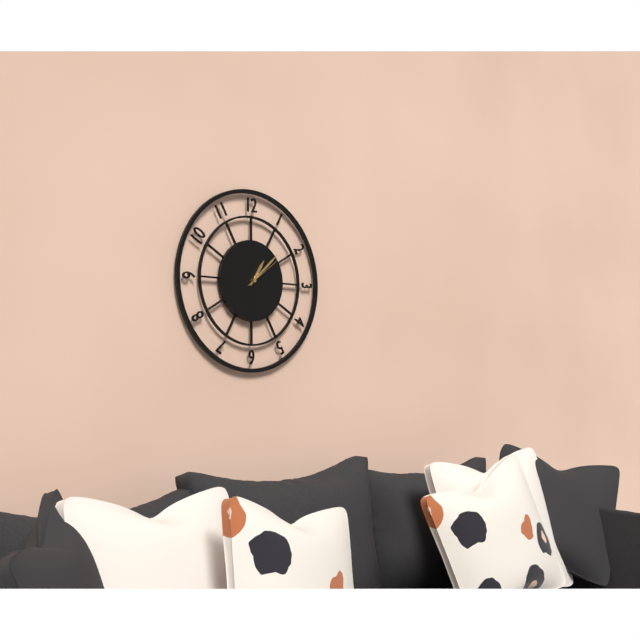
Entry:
h=1 m=8
